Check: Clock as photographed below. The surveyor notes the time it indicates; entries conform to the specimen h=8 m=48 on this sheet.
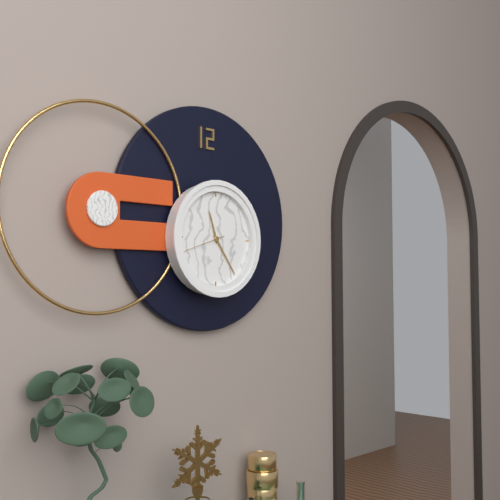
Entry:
h=11 m=24
